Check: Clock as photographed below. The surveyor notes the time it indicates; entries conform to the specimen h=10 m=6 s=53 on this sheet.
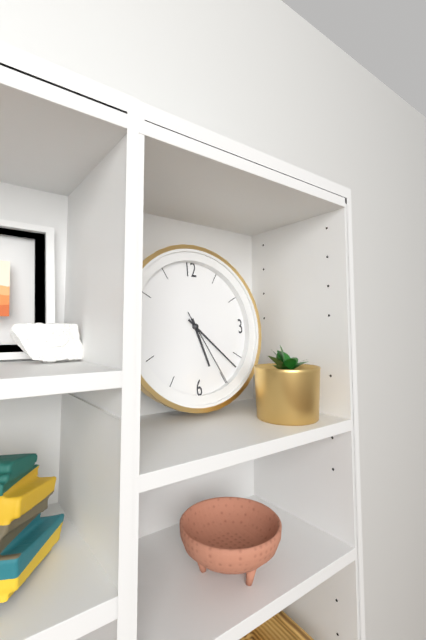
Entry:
h=5 m=22 s=25
